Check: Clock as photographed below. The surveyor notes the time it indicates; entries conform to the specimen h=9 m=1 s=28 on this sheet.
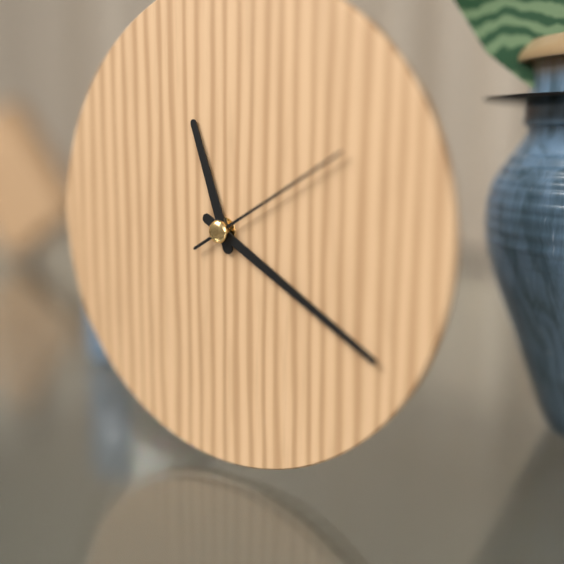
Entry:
h=11 m=20 s=10
